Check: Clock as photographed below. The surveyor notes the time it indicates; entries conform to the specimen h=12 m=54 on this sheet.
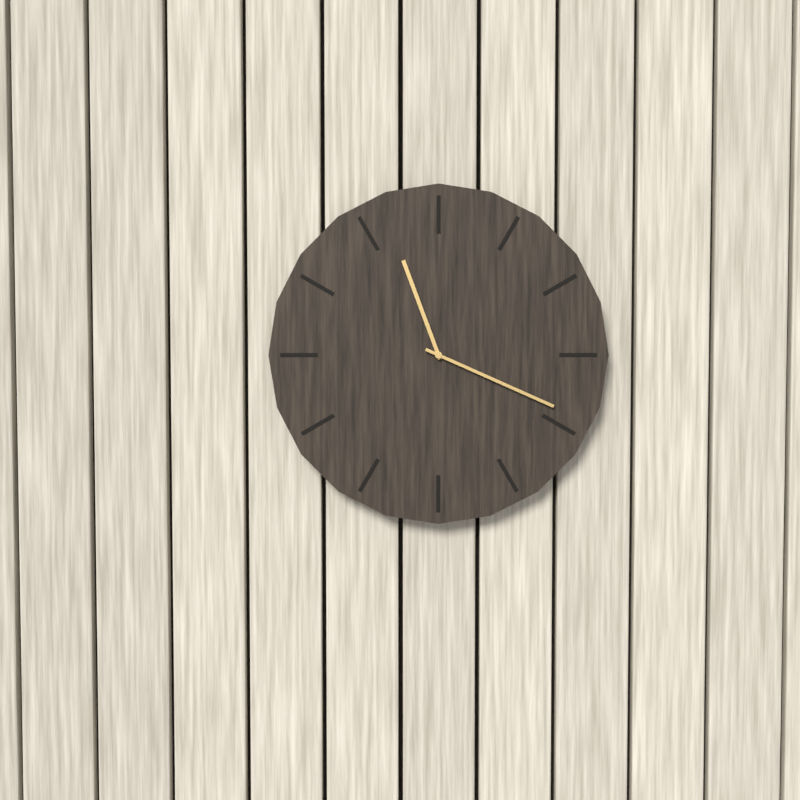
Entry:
h=11 m=19
